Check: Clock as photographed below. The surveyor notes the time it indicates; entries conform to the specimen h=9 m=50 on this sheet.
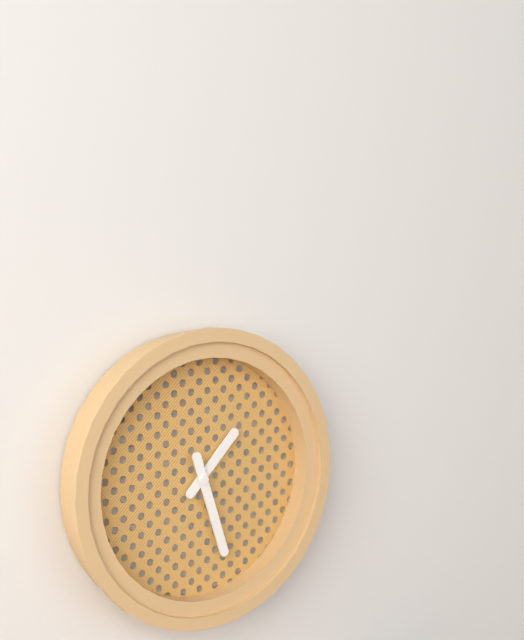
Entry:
h=1 m=27
